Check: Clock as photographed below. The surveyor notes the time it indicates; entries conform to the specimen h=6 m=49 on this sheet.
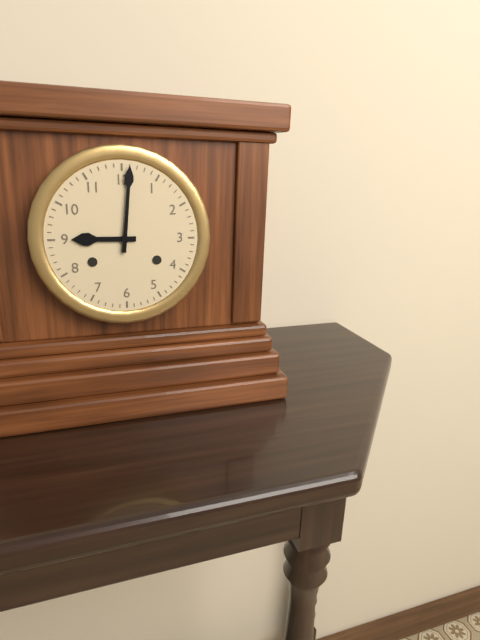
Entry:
h=9 m=1
